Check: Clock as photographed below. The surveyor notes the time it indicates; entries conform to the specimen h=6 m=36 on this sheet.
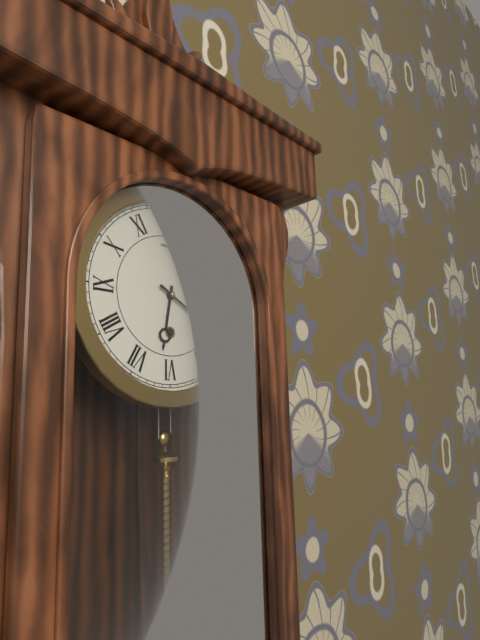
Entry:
h=6 m=20
